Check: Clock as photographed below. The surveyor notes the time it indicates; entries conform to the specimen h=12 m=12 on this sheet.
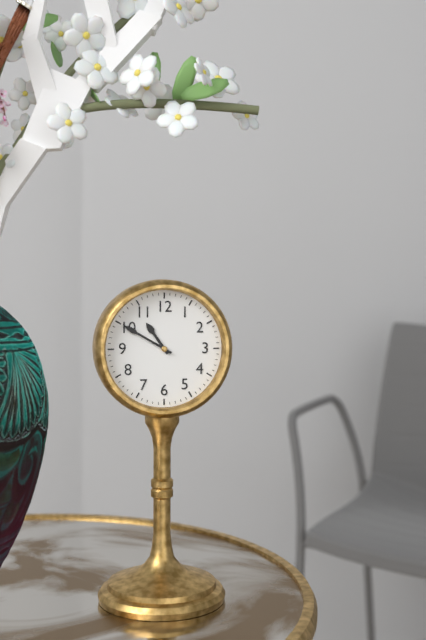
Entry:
h=10 m=50
